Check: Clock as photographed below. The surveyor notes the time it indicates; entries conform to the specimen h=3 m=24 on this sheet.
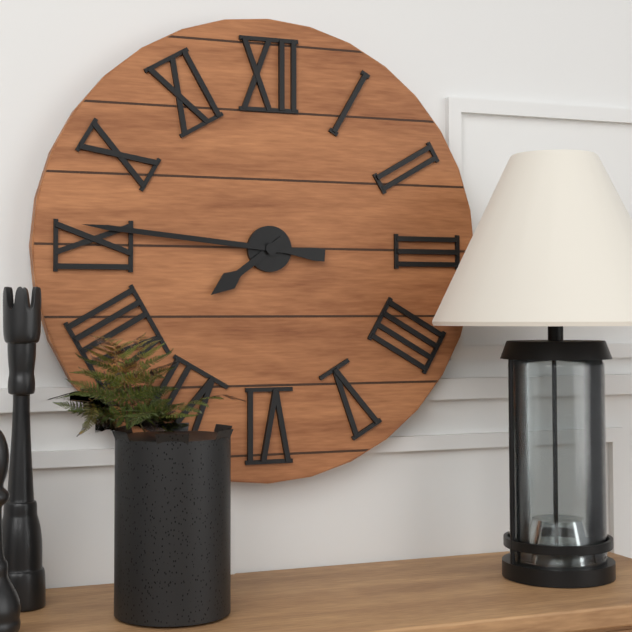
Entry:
h=7 m=46
